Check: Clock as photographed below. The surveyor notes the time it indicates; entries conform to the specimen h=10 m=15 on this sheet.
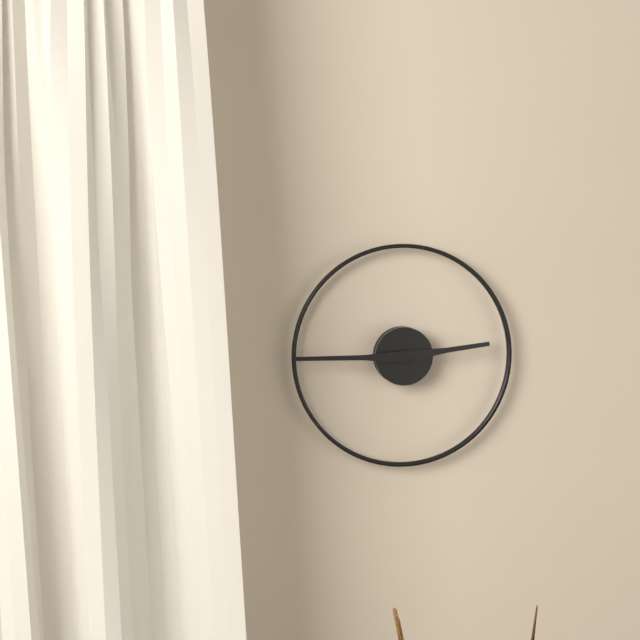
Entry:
h=2 m=45
